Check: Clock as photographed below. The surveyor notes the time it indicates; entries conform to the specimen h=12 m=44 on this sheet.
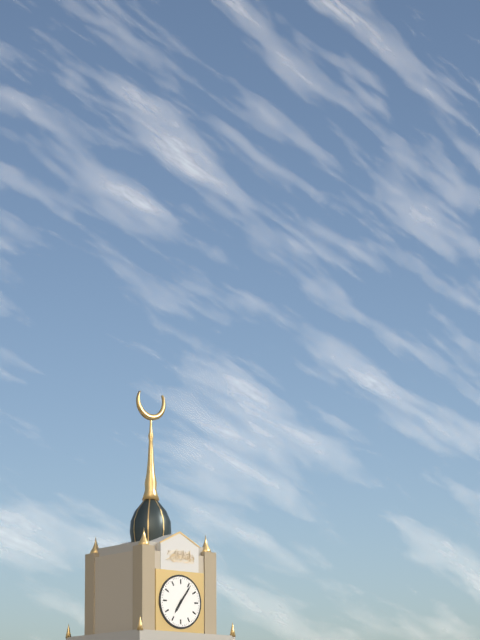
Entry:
h=7 m=6
